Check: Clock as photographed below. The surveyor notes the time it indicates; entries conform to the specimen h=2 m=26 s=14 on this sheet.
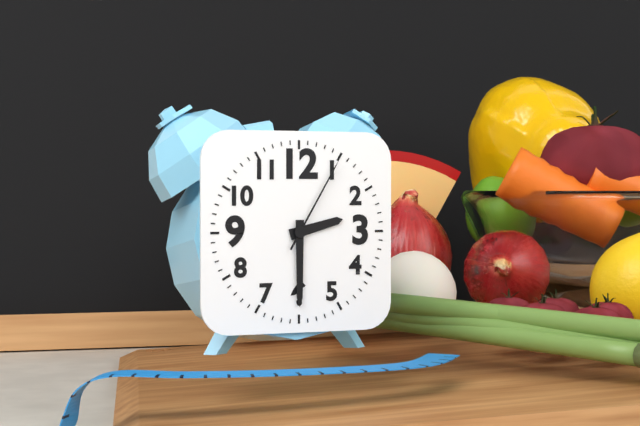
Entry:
h=2 m=30 s=5
